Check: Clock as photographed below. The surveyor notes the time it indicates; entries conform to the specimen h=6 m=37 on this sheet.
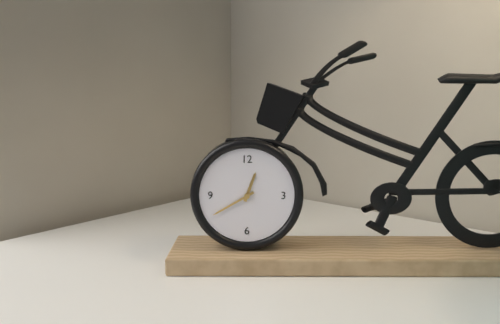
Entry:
h=12 m=40
